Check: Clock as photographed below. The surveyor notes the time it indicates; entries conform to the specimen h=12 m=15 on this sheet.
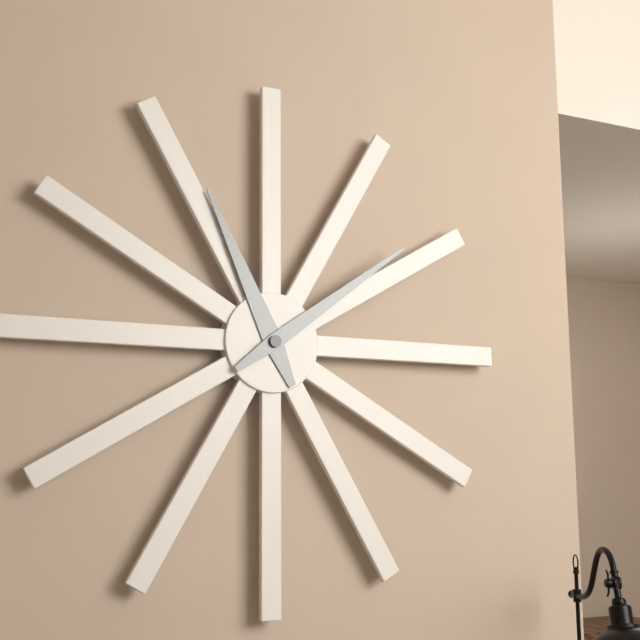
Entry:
h=11 m=9
